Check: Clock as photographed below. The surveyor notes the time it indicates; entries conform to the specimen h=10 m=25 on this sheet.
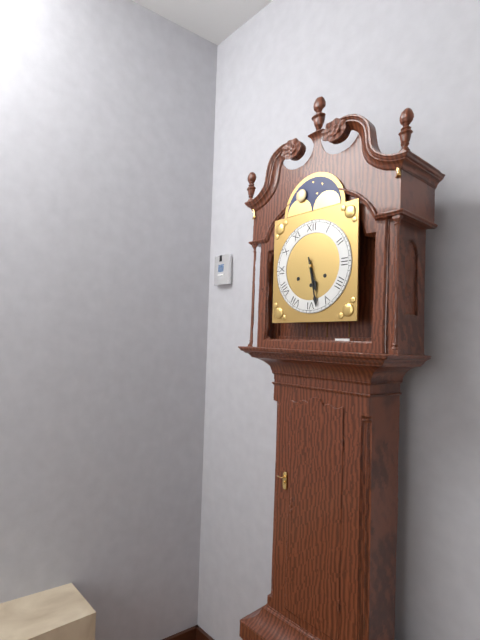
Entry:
h=5 m=28
